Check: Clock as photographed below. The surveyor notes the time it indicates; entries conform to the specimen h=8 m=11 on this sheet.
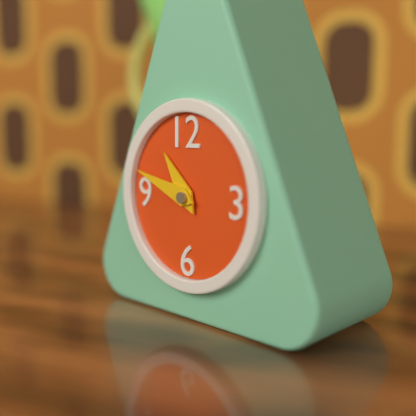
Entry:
h=10 m=48
